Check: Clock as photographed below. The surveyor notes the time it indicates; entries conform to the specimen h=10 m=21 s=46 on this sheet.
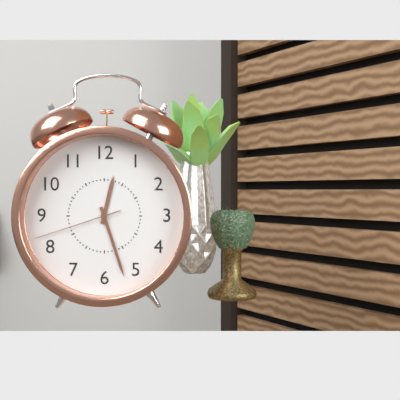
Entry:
h=12 m=27 s=42
